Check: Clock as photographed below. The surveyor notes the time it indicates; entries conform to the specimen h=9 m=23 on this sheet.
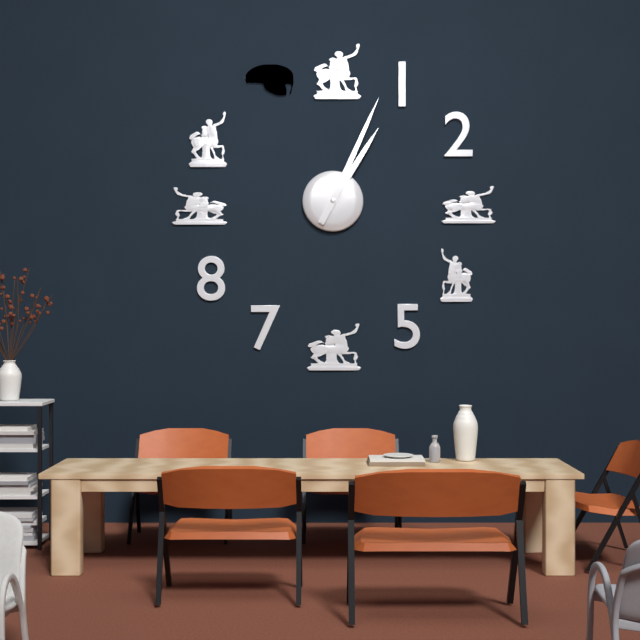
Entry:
h=1 m=4
